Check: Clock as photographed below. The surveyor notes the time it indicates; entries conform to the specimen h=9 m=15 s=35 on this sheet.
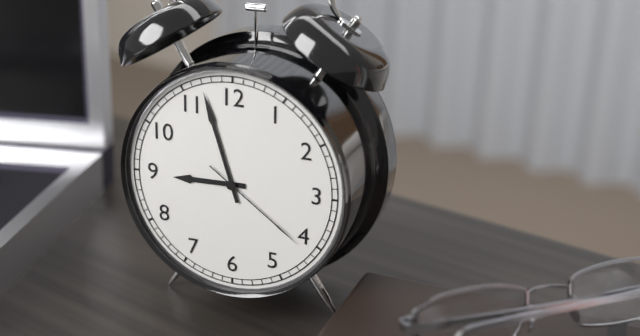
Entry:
h=8 m=57 s=21
